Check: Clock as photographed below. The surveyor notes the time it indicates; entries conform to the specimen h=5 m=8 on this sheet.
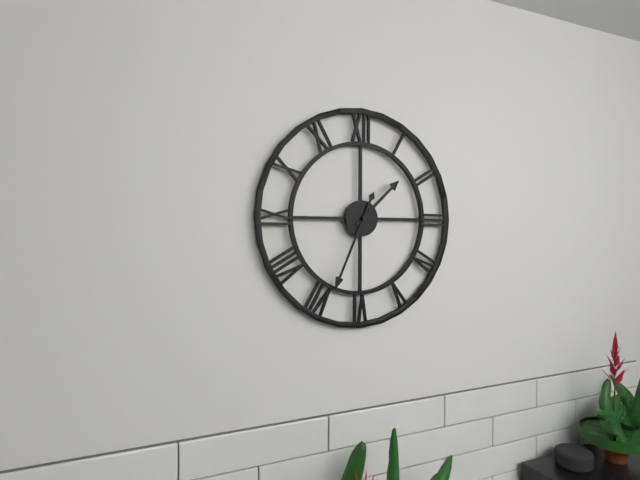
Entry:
h=1 m=34
